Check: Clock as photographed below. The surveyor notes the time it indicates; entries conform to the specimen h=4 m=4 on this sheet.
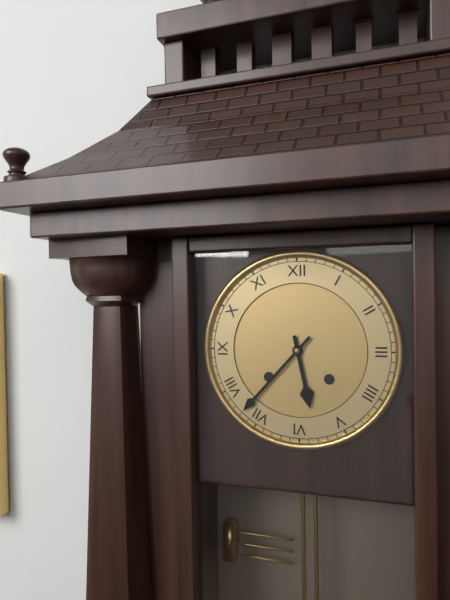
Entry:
h=5 m=37
